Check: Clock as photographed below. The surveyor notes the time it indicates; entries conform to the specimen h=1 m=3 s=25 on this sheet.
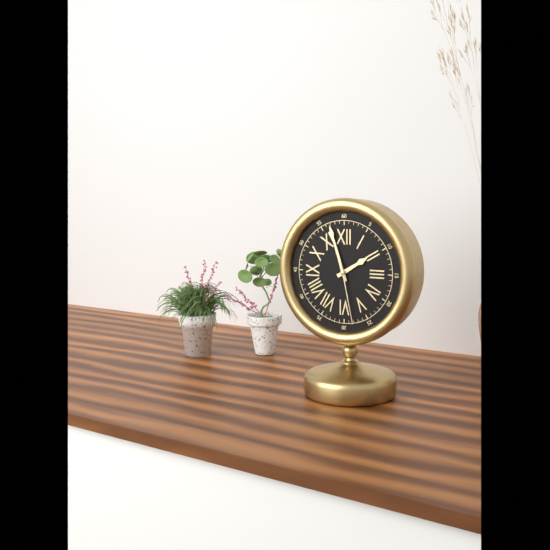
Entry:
h=1 m=57 s=28
